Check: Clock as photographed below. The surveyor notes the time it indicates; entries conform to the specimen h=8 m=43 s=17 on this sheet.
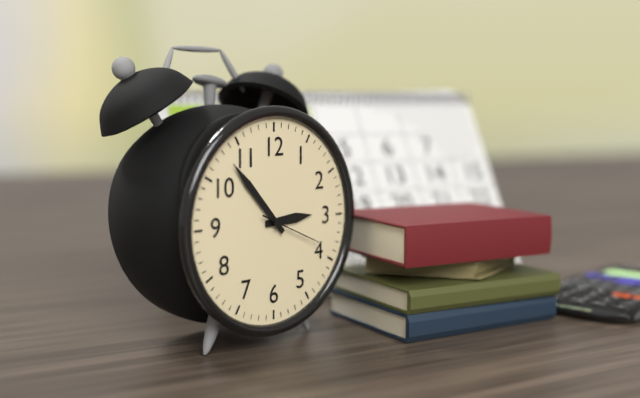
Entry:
h=2 m=53 s=19
